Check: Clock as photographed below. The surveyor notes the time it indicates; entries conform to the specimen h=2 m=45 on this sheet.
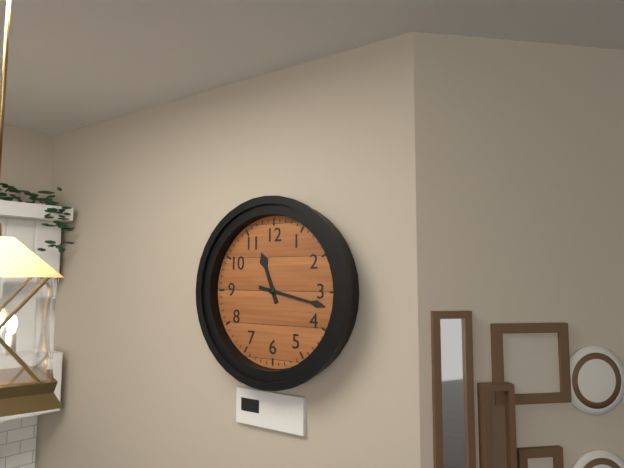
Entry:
h=11 m=17
